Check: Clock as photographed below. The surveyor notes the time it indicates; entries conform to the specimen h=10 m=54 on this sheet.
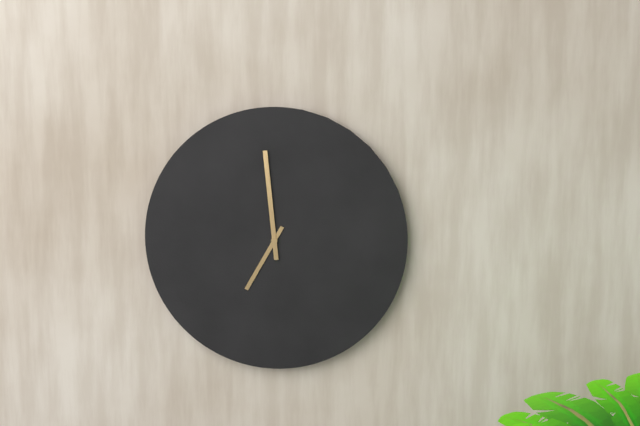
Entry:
h=6 m=59
